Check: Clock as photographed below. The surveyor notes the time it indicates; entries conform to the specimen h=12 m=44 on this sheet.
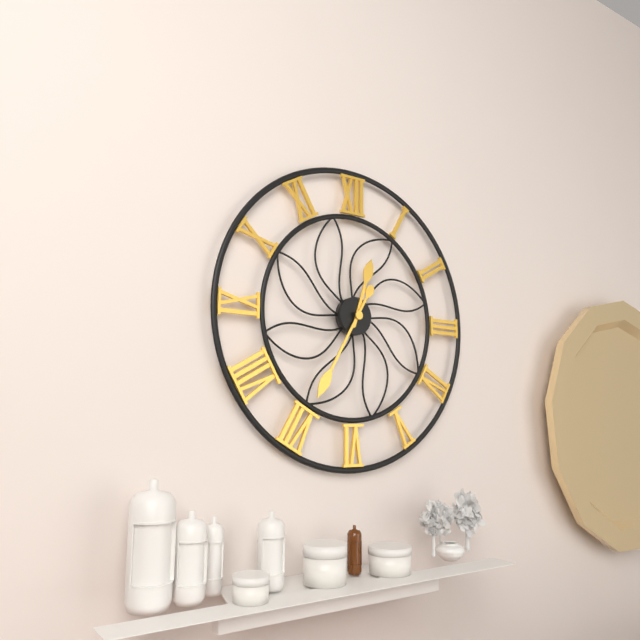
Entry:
h=12 m=35
